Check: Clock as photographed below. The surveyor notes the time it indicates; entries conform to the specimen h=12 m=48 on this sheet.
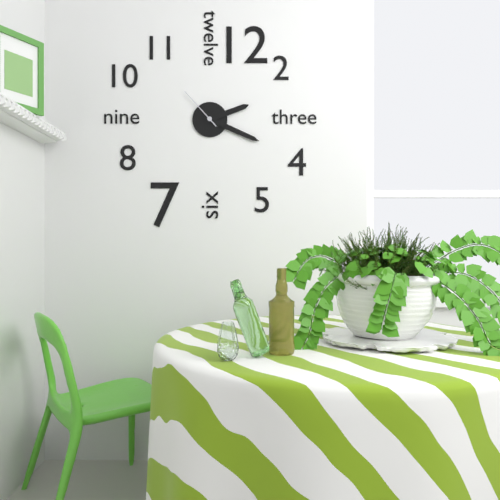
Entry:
h=2 m=19
